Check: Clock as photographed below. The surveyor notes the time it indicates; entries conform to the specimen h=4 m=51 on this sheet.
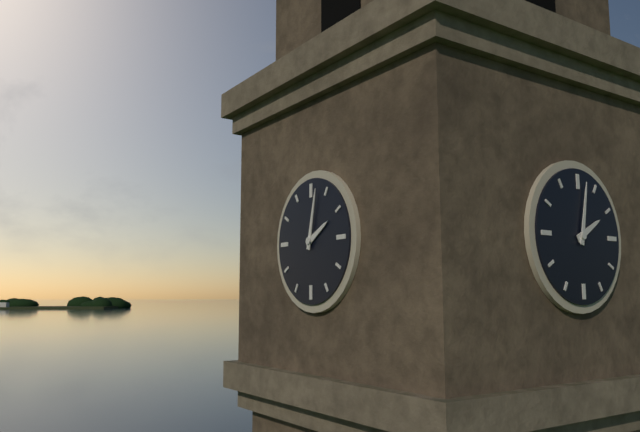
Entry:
h=2 m=2
